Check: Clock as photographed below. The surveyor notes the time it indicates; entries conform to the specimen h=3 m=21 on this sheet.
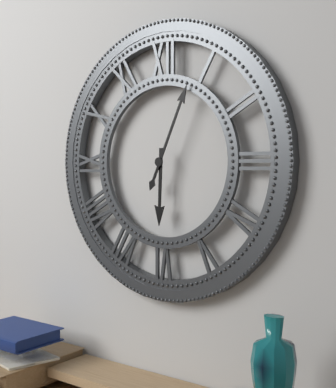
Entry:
h=6 m=4
